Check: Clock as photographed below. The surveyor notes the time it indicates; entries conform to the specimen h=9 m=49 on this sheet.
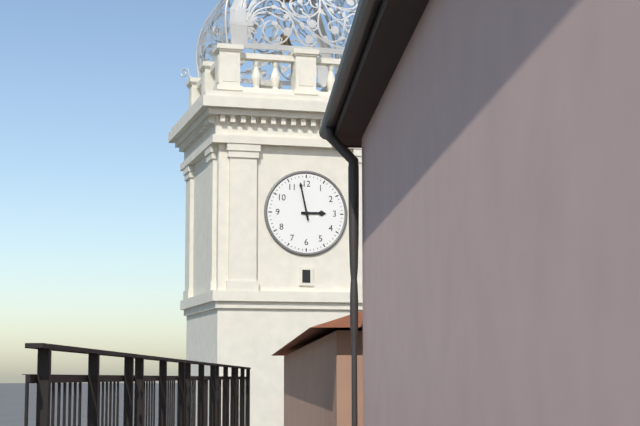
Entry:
h=2 m=58
